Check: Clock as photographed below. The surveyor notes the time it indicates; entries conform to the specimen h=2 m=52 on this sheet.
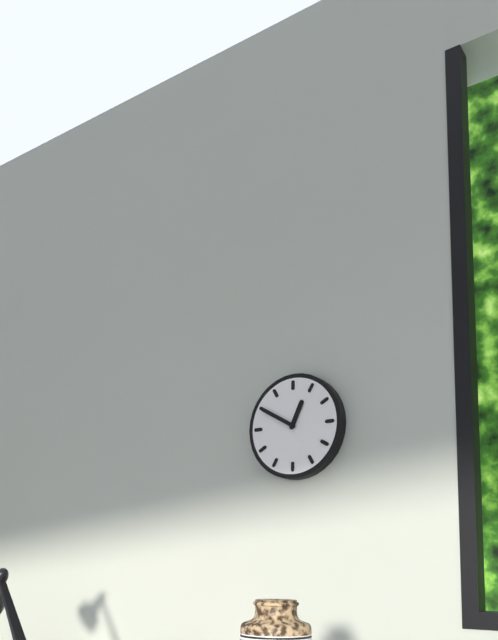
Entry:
h=12 m=50
